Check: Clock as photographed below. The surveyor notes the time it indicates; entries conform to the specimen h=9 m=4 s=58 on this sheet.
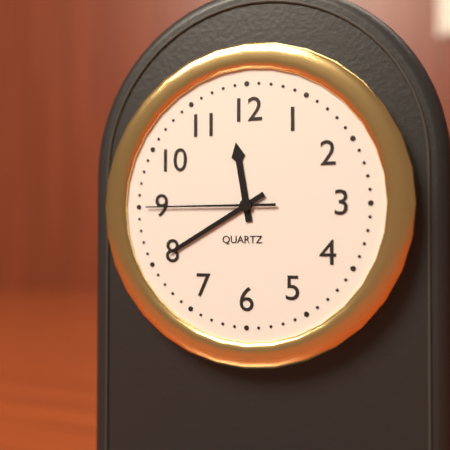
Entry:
h=11 m=40 s=45
